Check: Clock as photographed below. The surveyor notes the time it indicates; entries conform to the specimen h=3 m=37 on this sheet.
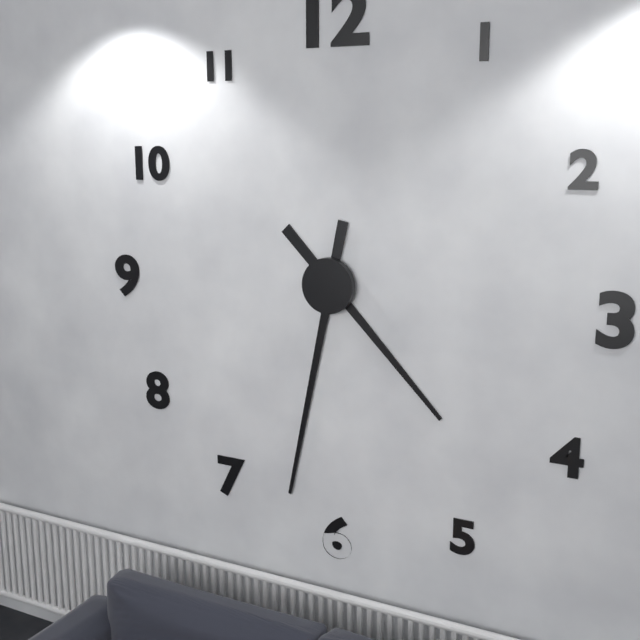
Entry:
h=4 m=32
